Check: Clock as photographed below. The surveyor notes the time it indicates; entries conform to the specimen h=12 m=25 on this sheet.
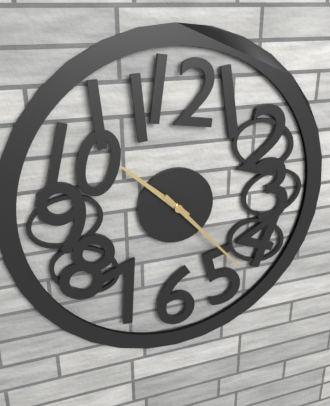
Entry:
h=10 m=23
